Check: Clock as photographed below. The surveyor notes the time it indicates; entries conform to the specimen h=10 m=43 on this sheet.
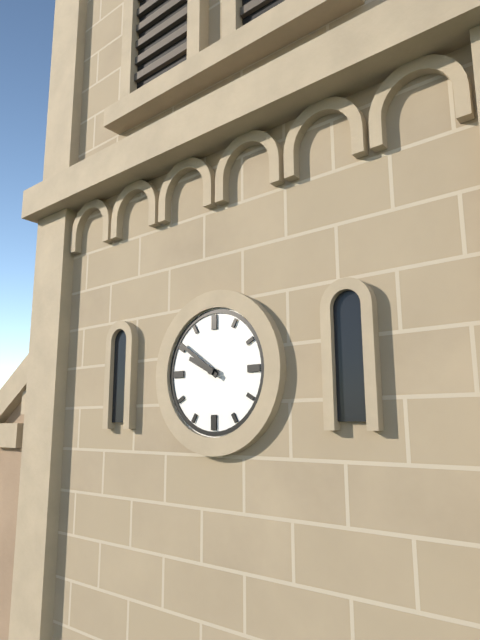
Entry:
h=9 m=51
